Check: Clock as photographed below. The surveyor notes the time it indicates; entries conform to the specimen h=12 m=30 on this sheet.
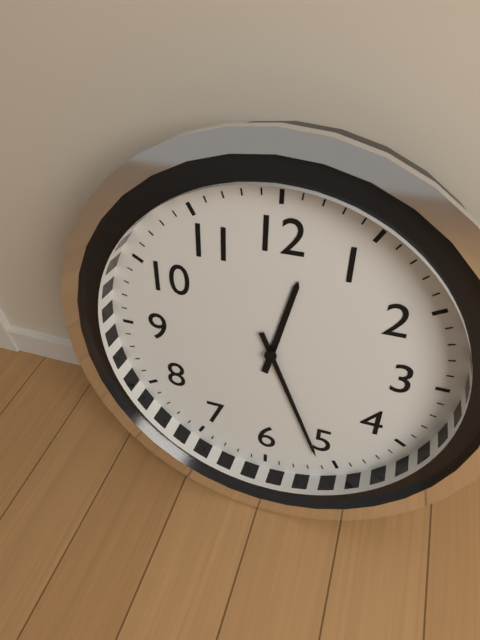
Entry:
h=12 m=26
